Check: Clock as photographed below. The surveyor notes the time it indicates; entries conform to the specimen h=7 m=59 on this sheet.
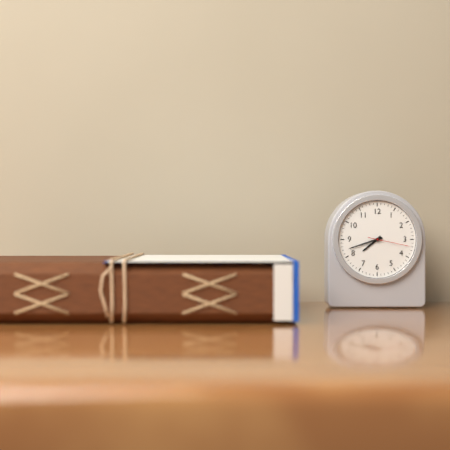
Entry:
h=7 m=42
